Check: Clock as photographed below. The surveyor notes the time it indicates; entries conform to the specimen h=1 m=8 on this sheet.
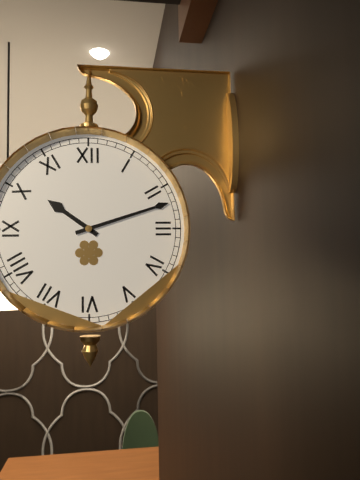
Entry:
h=10 m=12
